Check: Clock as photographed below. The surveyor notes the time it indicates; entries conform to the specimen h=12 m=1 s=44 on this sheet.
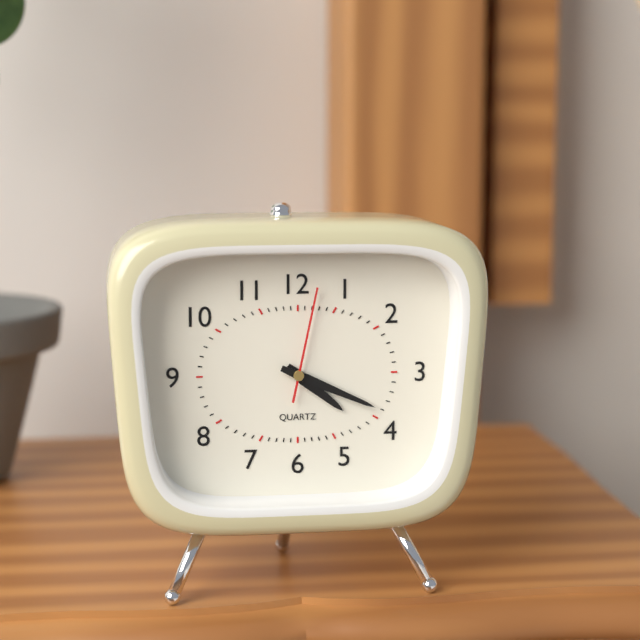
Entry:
h=4 m=19 s=2
